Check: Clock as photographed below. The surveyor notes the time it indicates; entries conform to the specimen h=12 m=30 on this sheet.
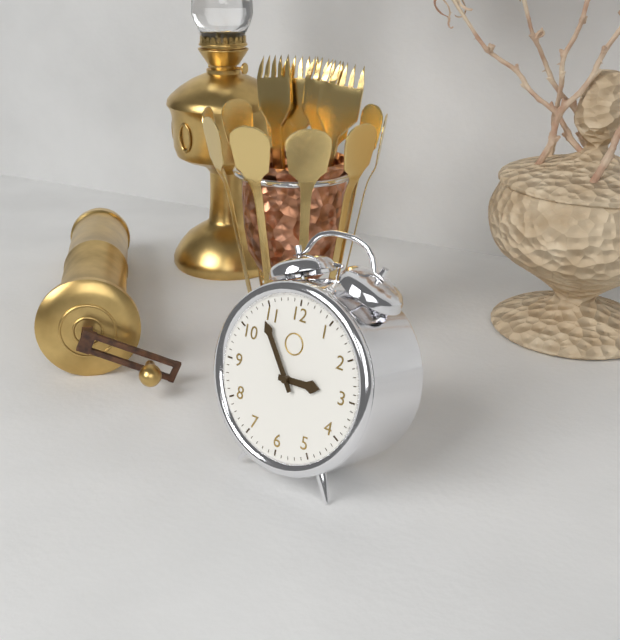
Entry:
h=2 m=54
